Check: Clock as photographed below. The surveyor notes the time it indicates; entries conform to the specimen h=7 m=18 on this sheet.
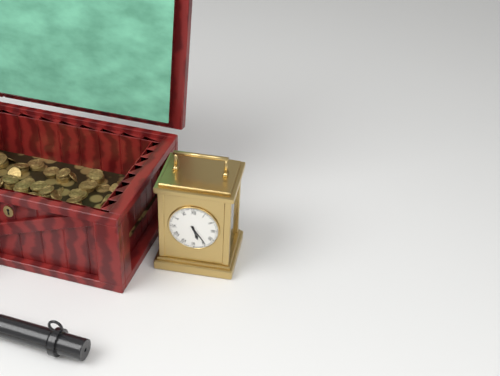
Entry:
h=5 m=24
